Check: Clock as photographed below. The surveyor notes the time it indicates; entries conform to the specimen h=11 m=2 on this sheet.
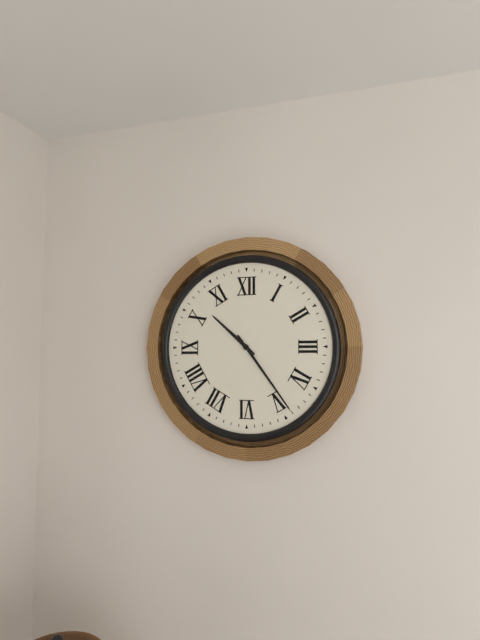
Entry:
h=10 m=24
